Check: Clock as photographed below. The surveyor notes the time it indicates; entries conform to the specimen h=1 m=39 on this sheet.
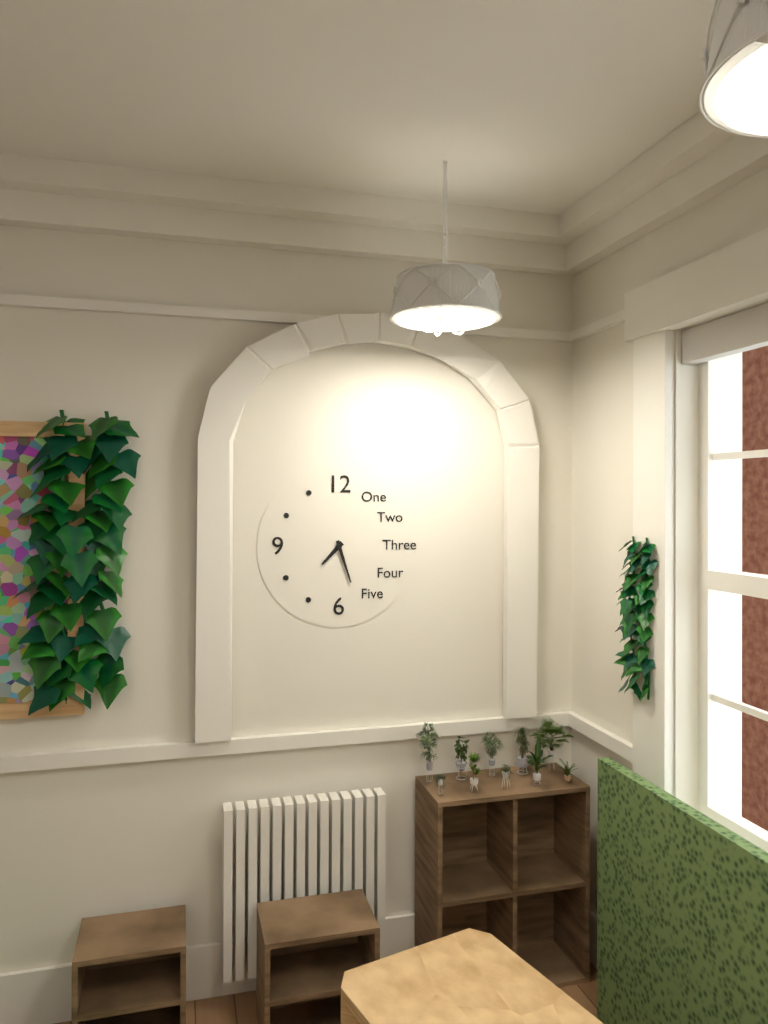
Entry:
h=7 m=27
